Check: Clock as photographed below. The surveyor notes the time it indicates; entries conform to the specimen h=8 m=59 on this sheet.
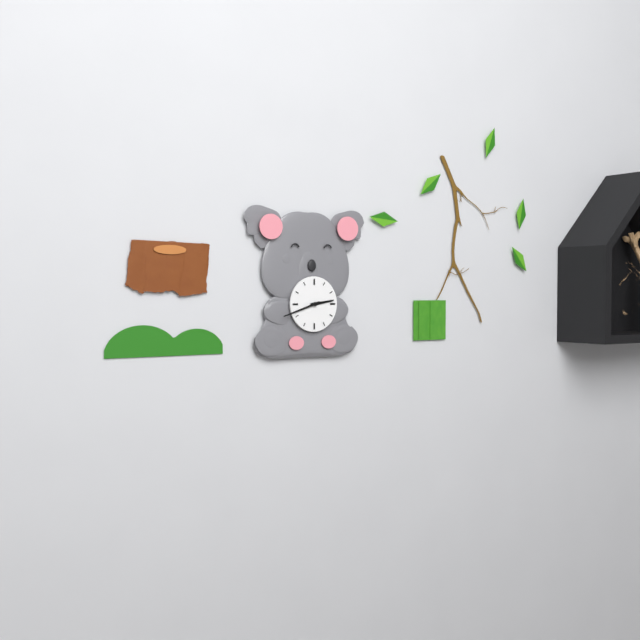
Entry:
h=2 m=42
